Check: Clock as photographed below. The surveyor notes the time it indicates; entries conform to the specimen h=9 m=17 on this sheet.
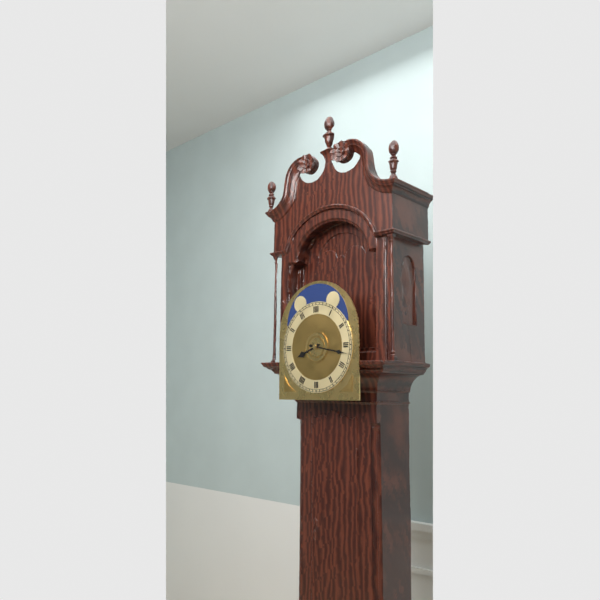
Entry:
h=8 m=17
